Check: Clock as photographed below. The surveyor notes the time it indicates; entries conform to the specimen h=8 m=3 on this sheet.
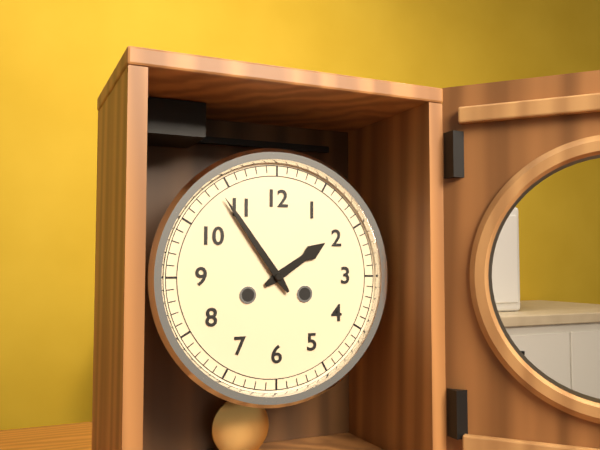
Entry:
h=1 m=54
